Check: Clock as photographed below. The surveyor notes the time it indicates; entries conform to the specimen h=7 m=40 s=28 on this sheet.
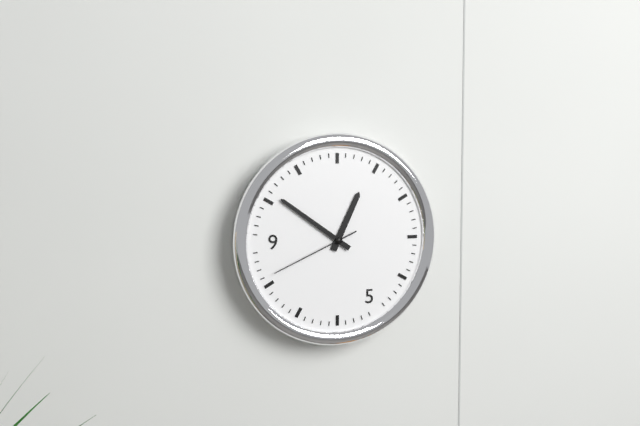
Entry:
h=12 m=51 s=41
